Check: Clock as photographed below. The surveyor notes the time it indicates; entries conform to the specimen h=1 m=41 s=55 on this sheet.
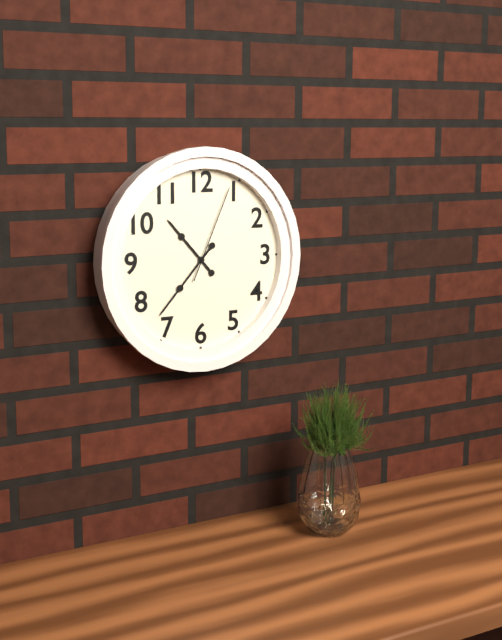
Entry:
h=10 m=37 s=4
